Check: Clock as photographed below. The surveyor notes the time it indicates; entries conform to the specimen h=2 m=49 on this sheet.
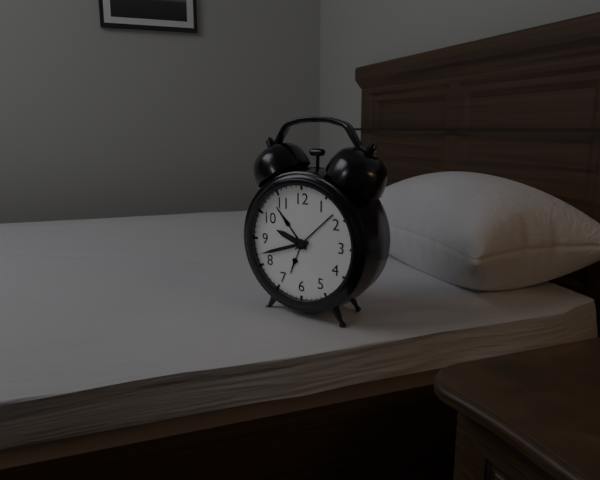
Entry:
h=9 m=42
